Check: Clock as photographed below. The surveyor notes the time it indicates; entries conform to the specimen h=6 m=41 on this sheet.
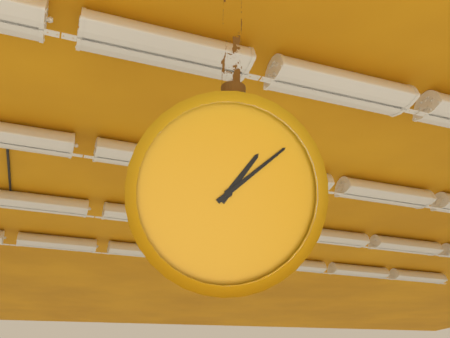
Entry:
h=1 m=8
